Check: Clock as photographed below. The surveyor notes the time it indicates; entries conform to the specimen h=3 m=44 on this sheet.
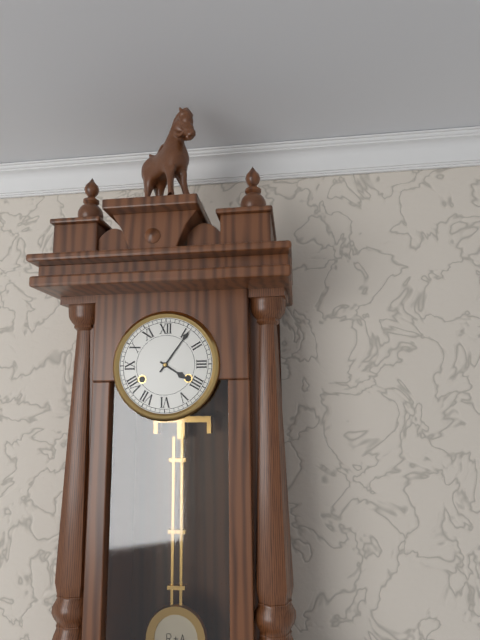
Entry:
h=4 m=6
